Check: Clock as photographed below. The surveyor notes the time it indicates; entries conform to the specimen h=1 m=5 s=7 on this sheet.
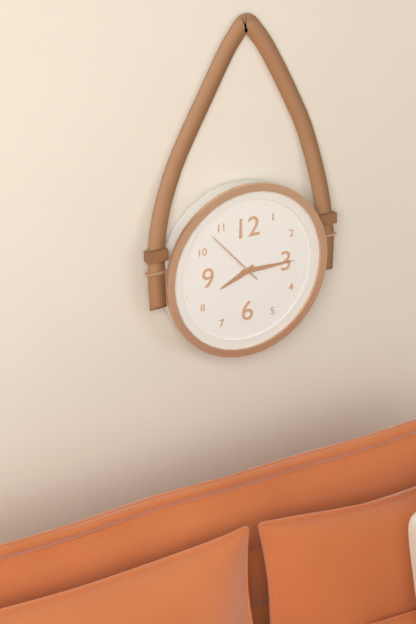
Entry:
h=8 m=15 s=53
